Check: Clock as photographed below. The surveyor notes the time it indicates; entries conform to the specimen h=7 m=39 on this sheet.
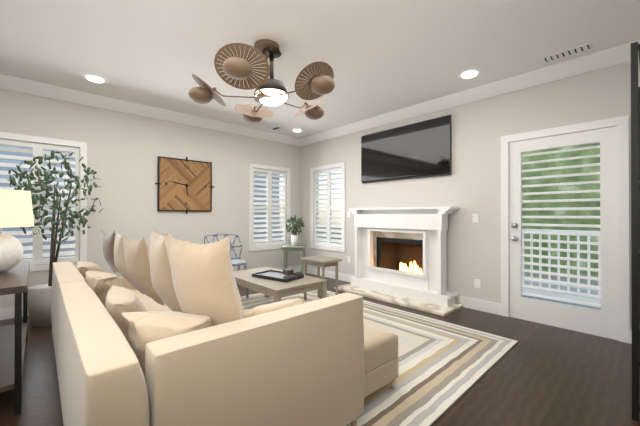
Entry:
h=5 m=47
